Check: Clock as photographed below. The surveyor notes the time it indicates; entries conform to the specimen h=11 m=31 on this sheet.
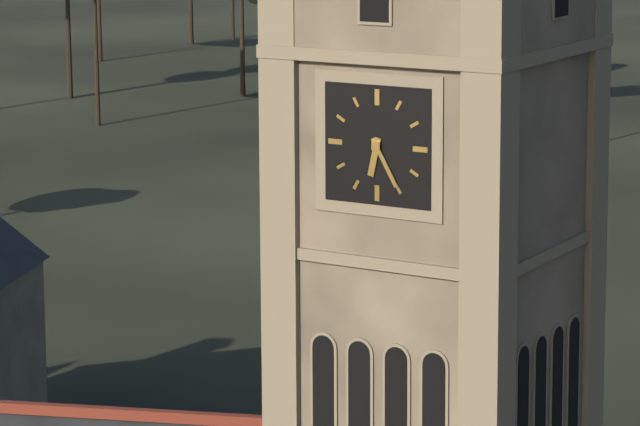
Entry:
h=6 m=25
